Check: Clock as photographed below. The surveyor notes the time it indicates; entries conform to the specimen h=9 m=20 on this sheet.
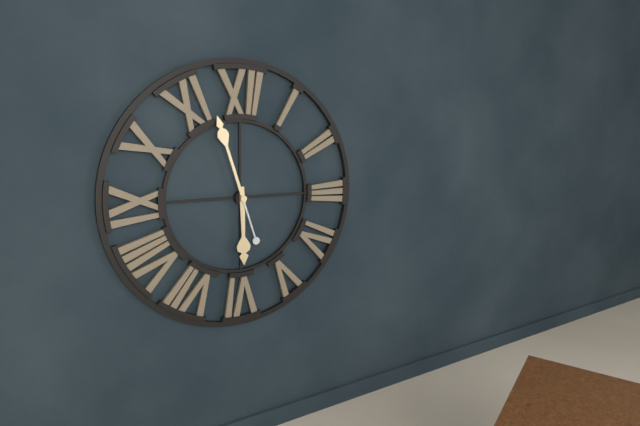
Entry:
h=5 m=57
